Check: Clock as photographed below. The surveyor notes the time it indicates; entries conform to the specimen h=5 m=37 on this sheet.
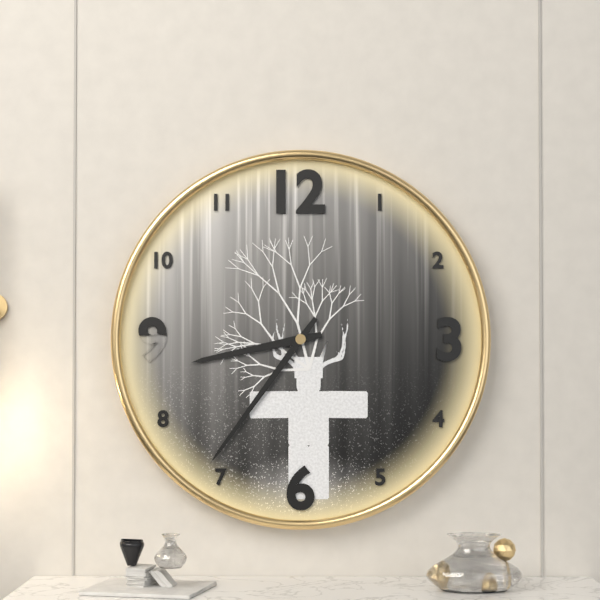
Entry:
h=8 m=36
